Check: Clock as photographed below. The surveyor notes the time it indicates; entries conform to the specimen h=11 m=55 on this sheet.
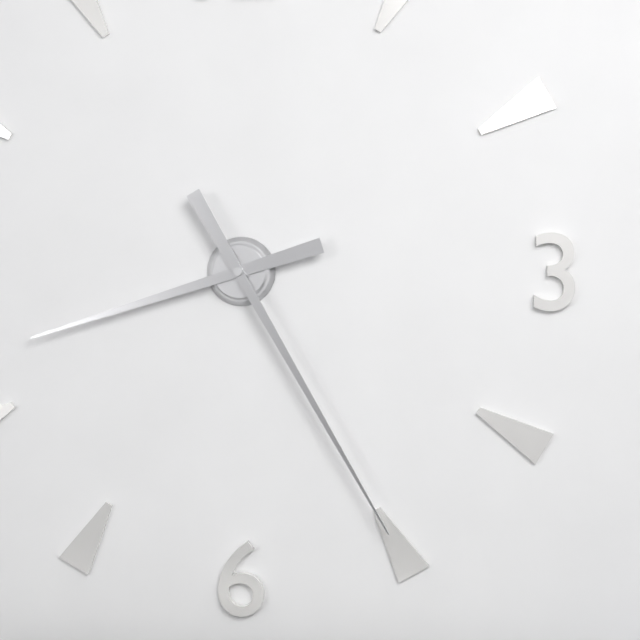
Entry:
h=8 m=25
